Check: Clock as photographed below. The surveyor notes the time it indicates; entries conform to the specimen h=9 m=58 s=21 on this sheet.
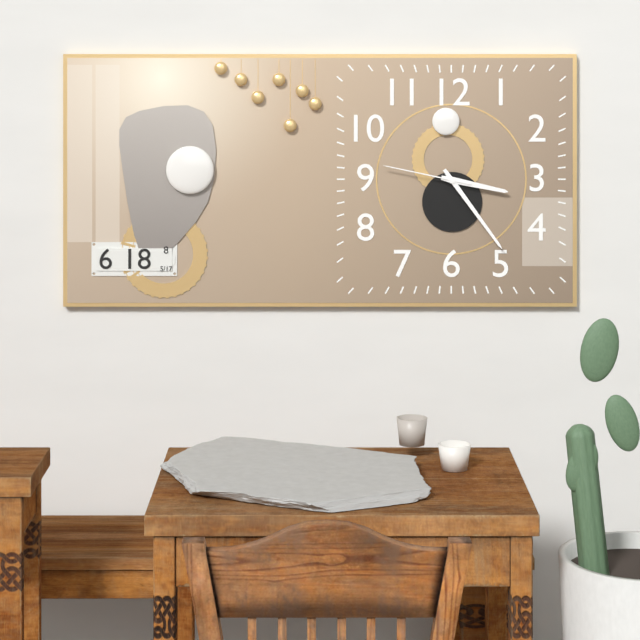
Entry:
h=3 m=24 s=47
